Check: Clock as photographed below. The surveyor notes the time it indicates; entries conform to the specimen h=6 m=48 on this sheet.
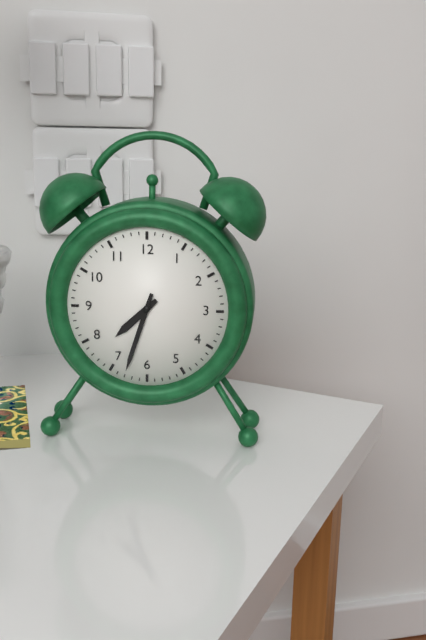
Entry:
h=7 m=33
